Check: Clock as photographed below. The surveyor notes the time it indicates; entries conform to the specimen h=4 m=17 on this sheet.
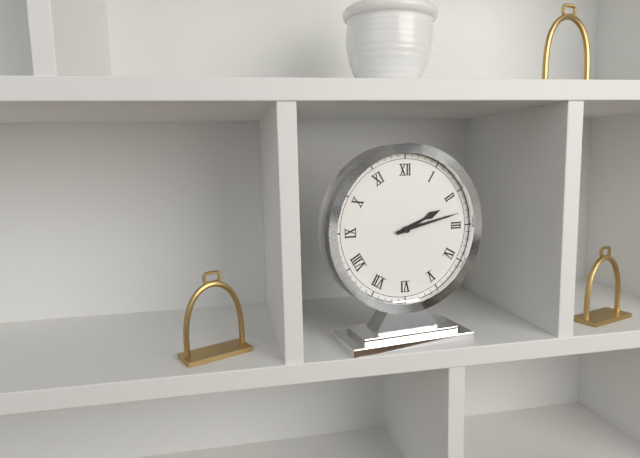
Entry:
h=2 m=13
